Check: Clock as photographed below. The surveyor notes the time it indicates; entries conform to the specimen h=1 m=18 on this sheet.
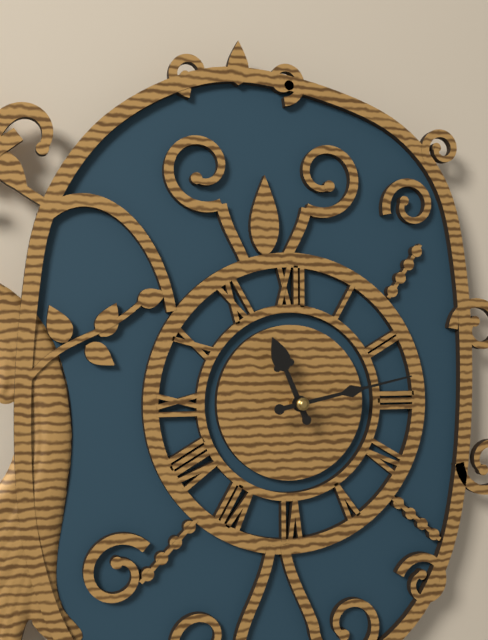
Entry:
h=11 m=13
